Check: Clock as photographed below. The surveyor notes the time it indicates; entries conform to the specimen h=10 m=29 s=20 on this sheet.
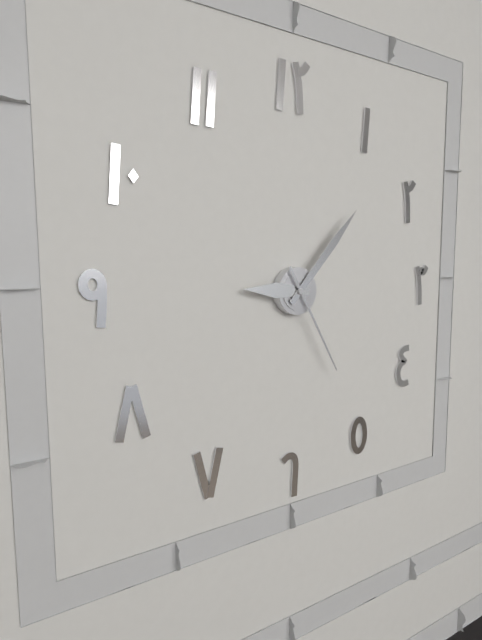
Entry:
h=9 m=7 s=25
